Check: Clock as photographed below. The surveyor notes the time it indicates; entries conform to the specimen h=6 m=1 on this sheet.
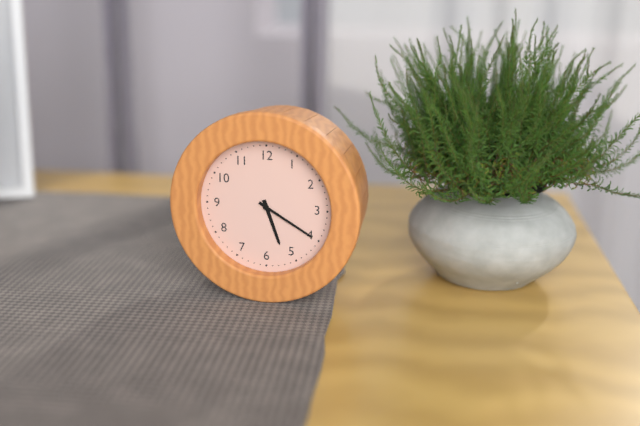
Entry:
h=5 m=20
